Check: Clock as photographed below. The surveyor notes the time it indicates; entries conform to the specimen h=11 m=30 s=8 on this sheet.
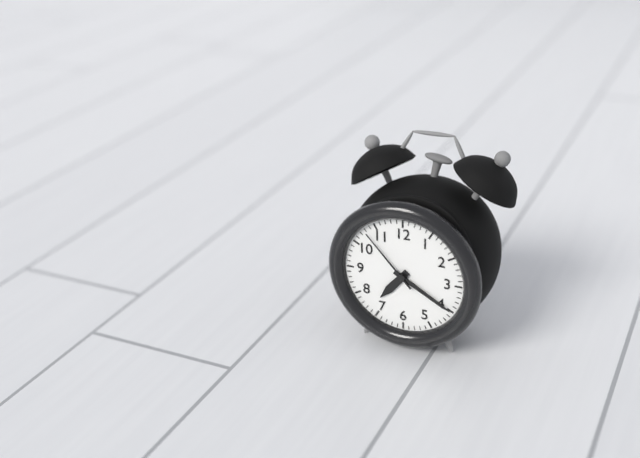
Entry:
h=7 m=20 s=53
